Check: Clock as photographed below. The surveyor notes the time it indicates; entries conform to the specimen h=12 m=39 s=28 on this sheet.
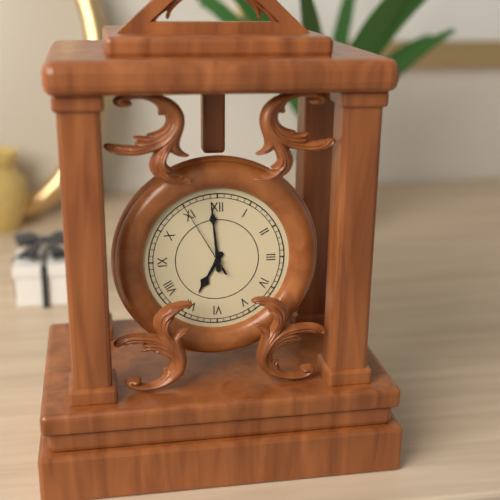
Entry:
h=6 m=59 s=55
